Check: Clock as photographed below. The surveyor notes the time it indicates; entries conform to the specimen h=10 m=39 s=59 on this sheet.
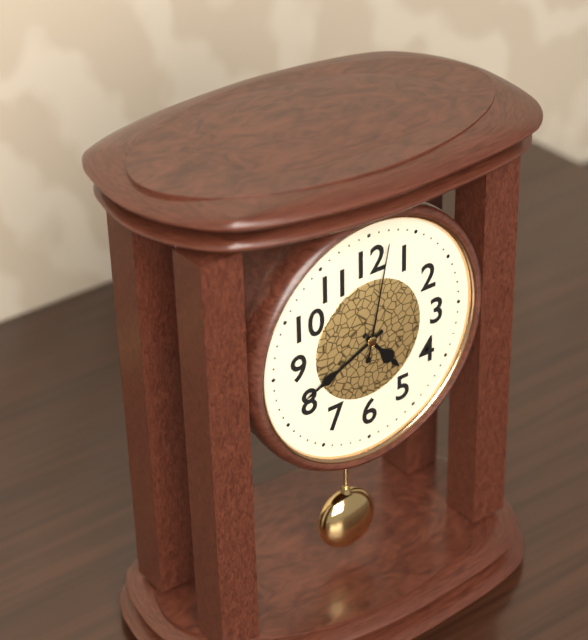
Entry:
h=4 m=41 s=2
